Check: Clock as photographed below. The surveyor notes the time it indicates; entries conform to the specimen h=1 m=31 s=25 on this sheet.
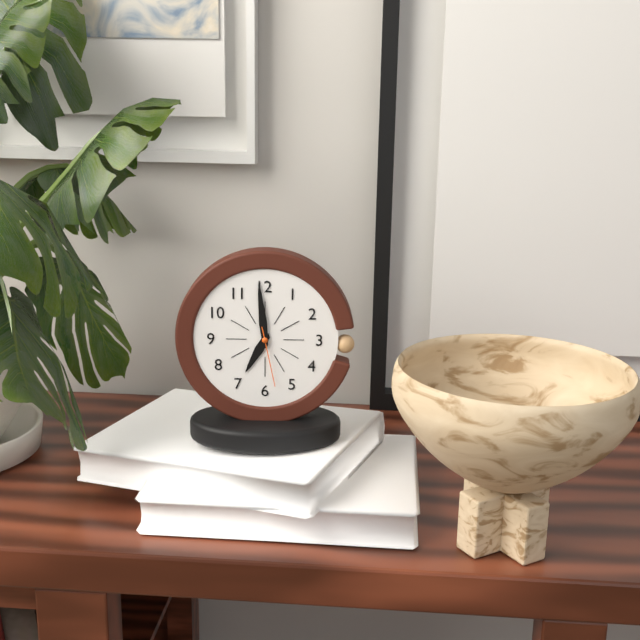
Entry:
h=6 m=59 s=28
